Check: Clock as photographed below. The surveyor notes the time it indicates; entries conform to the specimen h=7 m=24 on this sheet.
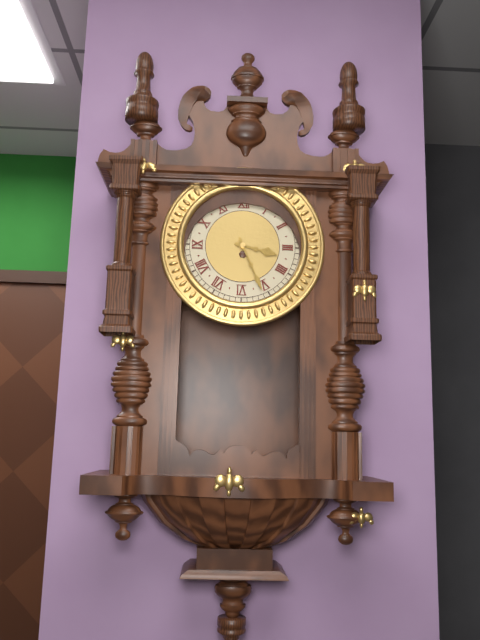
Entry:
h=3 m=26
